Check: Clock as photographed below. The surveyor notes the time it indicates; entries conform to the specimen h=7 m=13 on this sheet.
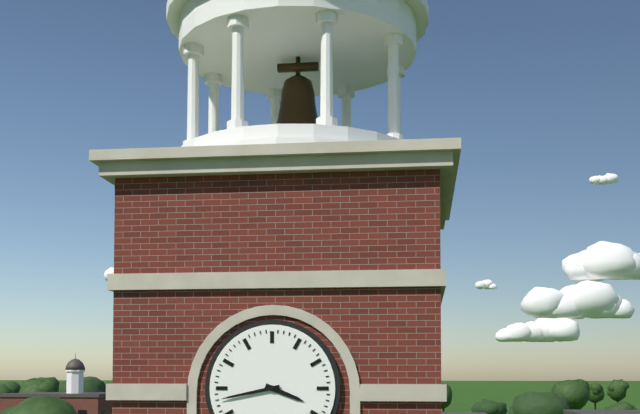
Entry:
h=3 m=43
